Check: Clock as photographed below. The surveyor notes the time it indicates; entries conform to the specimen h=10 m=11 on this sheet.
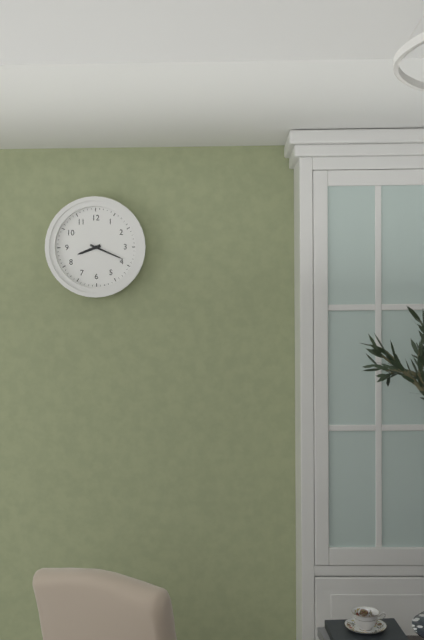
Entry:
h=8 m=19
